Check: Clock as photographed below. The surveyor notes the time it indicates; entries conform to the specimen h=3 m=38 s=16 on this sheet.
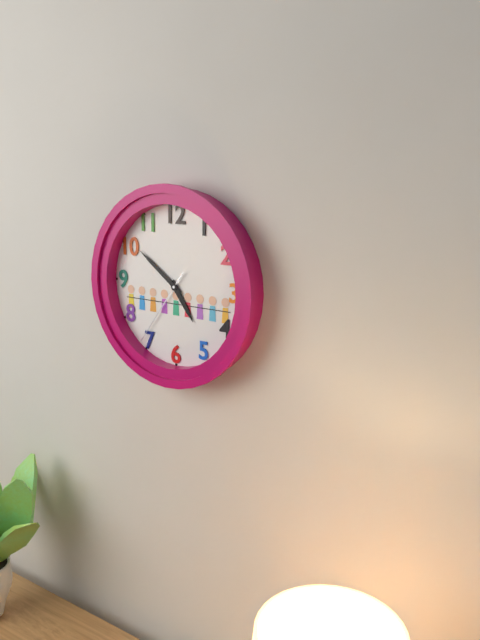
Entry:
h=4 m=51 s=36
